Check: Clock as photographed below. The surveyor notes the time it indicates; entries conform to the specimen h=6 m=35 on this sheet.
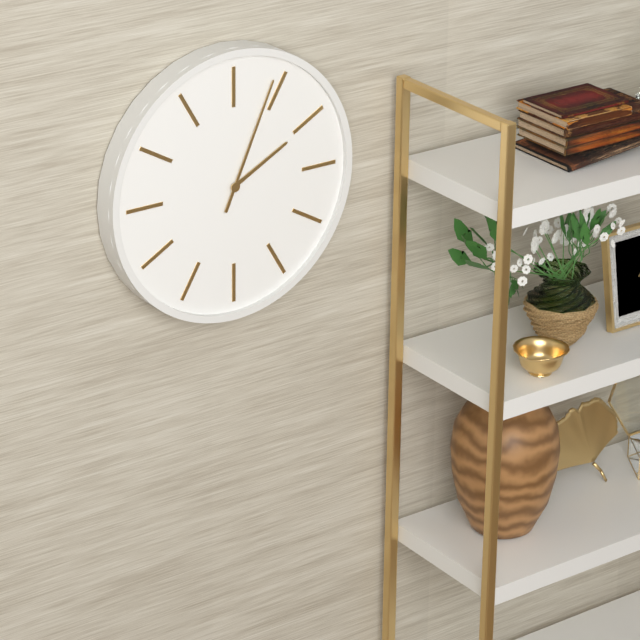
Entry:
h=2 m=4
